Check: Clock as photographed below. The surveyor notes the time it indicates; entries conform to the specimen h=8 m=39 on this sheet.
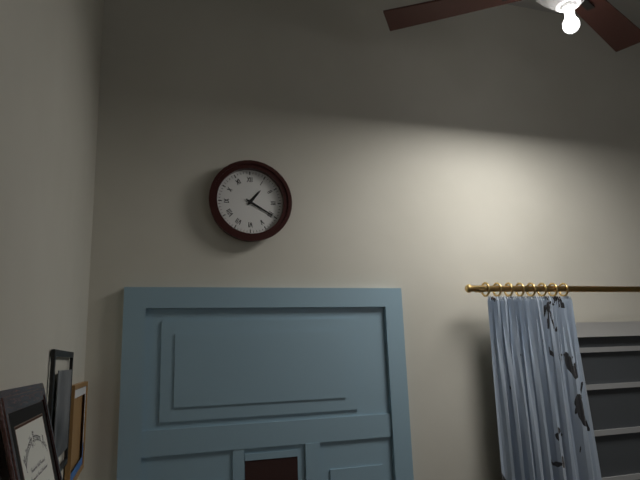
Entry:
h=1 m=20
